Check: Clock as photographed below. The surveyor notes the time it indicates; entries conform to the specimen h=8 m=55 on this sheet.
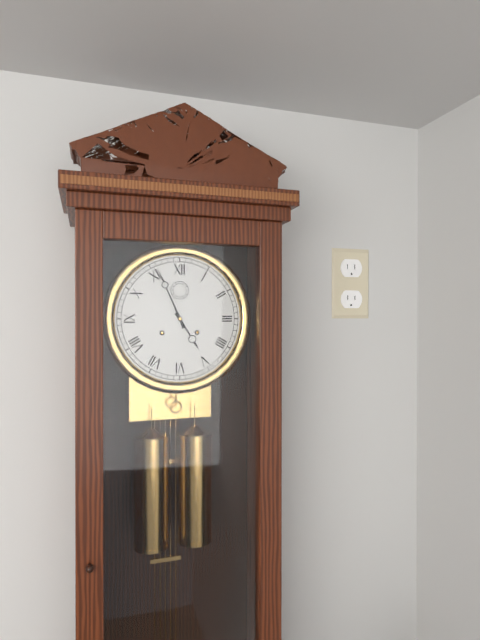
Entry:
h=4 m=56
